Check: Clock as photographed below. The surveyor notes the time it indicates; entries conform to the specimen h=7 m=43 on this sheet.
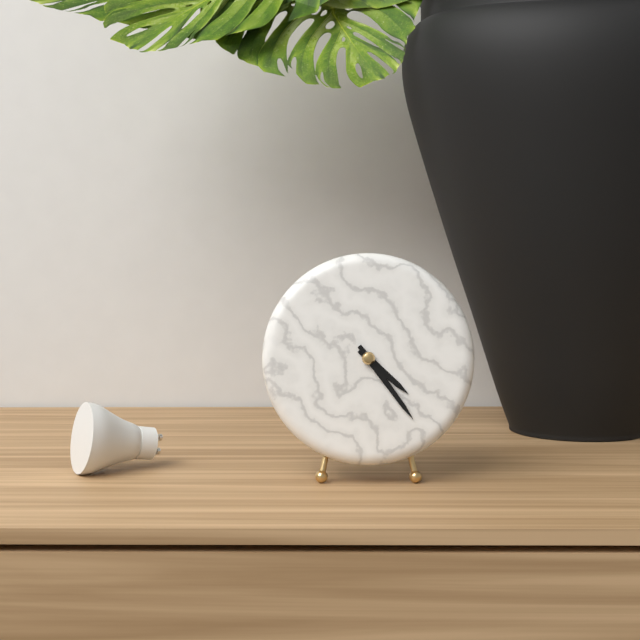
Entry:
h=4 m=24
